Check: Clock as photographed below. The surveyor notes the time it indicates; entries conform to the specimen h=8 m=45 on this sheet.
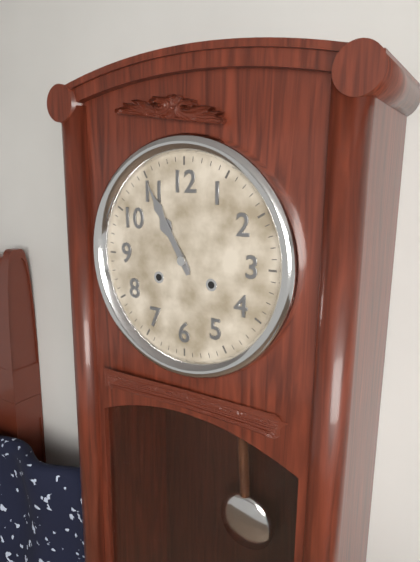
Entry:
h=10 m=55
